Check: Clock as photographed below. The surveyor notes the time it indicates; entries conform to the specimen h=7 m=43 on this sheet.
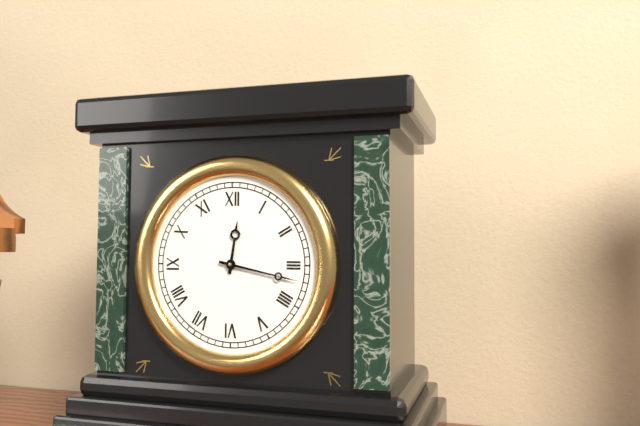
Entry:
h=12 m=17
